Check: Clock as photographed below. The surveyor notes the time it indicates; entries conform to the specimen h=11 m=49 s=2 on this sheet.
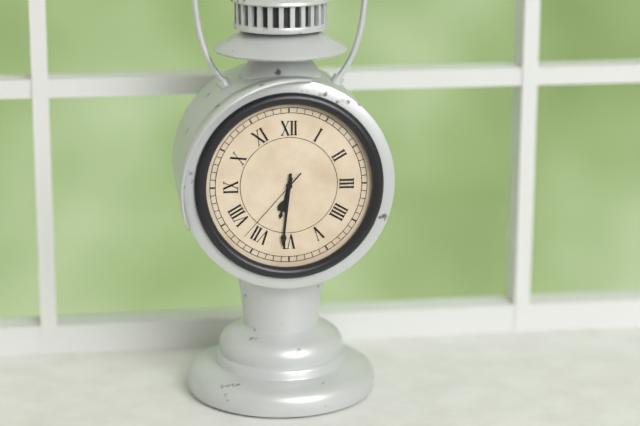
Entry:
h=6 m=31 s=37
